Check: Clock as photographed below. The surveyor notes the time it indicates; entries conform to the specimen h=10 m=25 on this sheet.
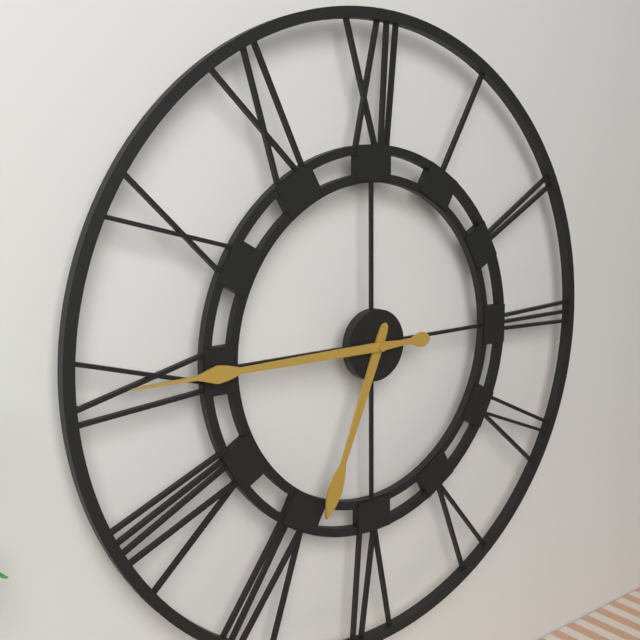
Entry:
h=6 m=45
